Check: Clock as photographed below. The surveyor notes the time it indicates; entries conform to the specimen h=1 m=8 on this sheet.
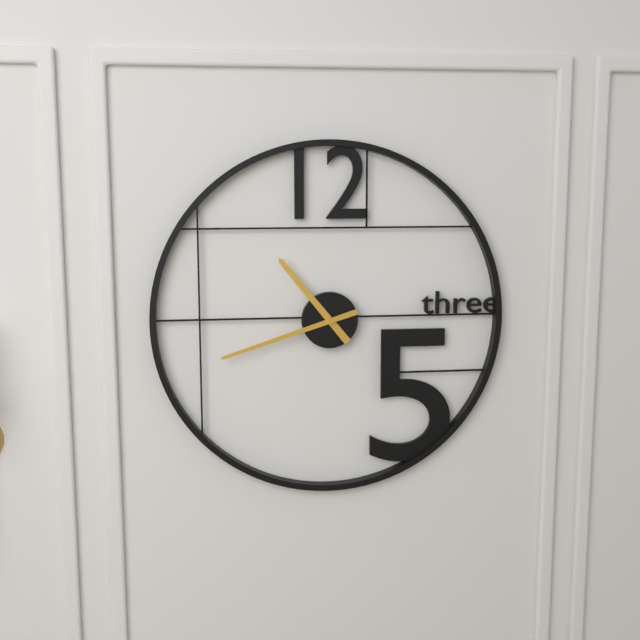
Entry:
h=10 m=42
